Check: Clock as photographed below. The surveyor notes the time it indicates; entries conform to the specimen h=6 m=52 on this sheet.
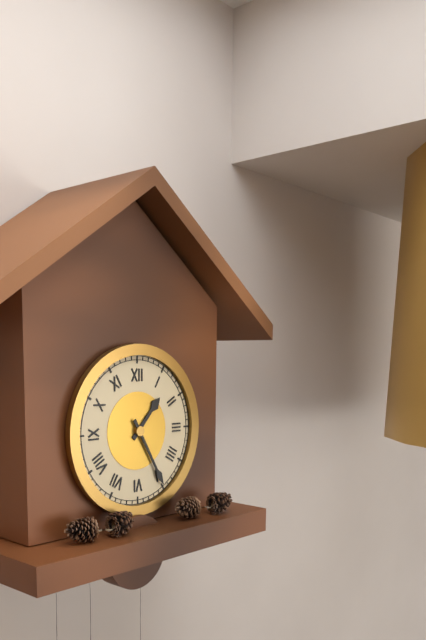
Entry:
h=1 m=25
